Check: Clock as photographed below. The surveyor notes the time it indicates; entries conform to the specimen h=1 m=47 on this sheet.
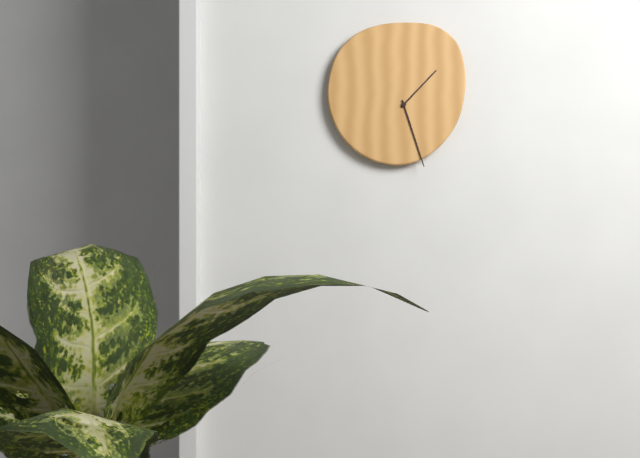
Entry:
h=1 m=27
